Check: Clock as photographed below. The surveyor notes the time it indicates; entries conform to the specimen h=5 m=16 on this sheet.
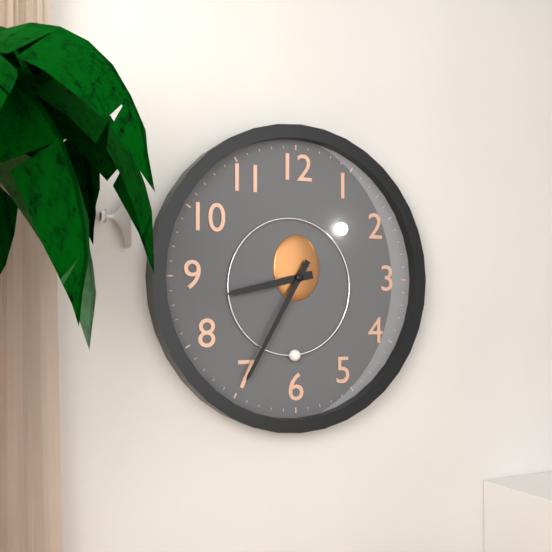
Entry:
h=8 m=35
